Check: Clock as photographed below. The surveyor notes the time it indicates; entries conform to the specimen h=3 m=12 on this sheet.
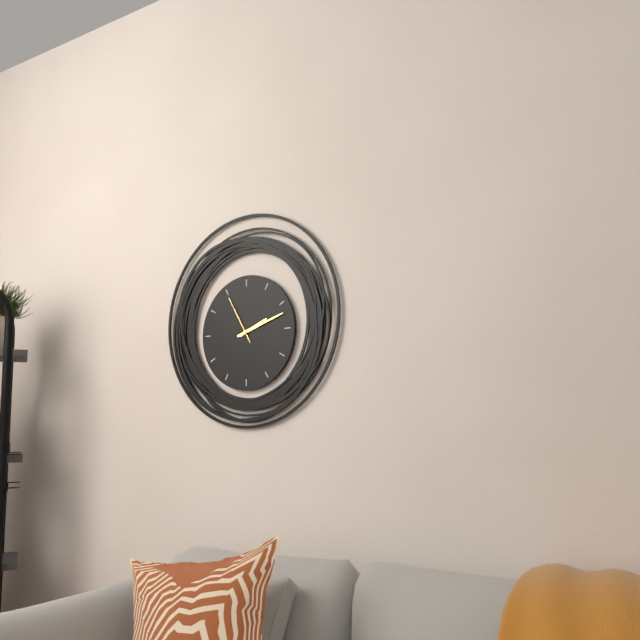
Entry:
h=2 m=12
